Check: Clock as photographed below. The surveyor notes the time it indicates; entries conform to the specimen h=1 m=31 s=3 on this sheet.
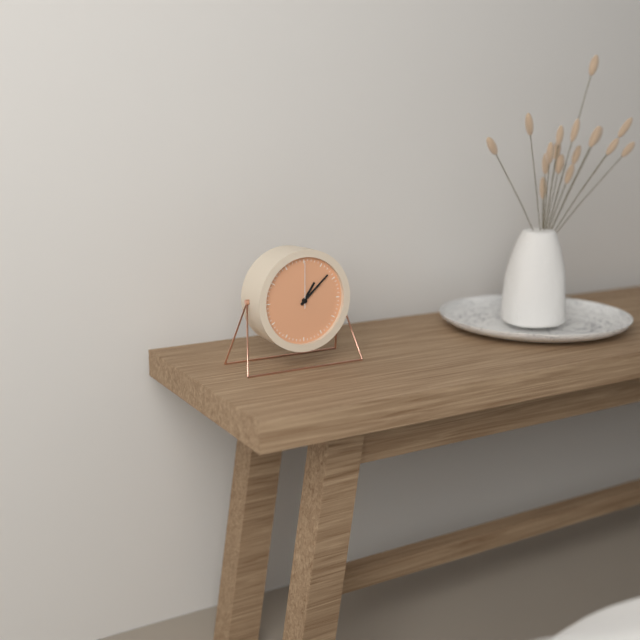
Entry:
h=1 m=8 s=0
